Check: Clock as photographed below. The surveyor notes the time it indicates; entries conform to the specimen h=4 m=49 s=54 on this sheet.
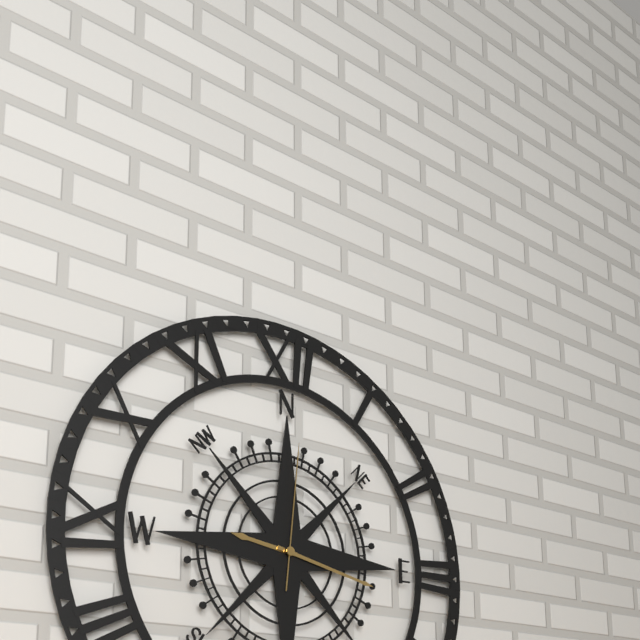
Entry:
h=9 m=17 s=1
